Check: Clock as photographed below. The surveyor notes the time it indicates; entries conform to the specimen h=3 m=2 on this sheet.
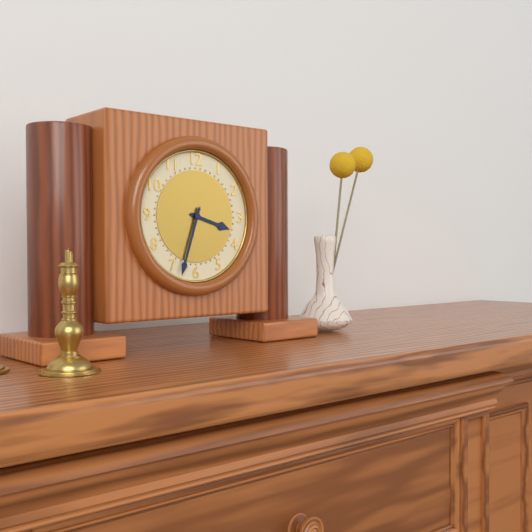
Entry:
h=3 m=33
